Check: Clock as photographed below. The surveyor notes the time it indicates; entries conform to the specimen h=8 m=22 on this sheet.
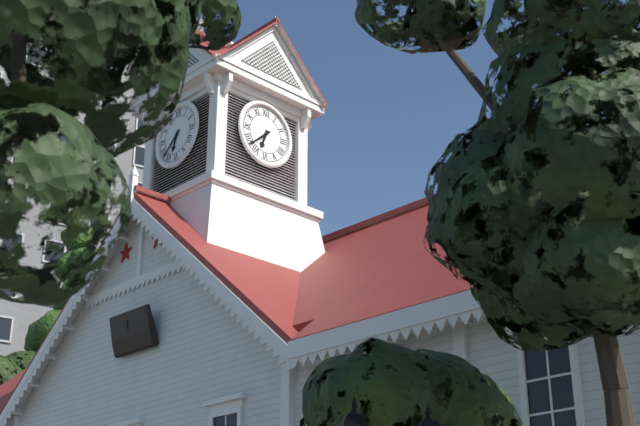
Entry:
h=6 m=38
